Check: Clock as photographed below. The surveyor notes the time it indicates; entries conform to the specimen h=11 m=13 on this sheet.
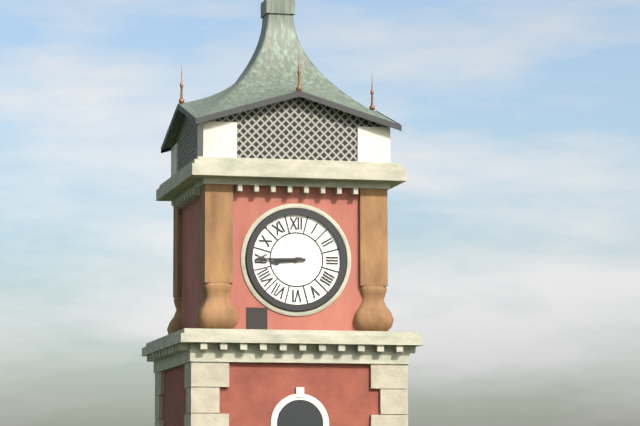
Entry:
h=8 m=45
